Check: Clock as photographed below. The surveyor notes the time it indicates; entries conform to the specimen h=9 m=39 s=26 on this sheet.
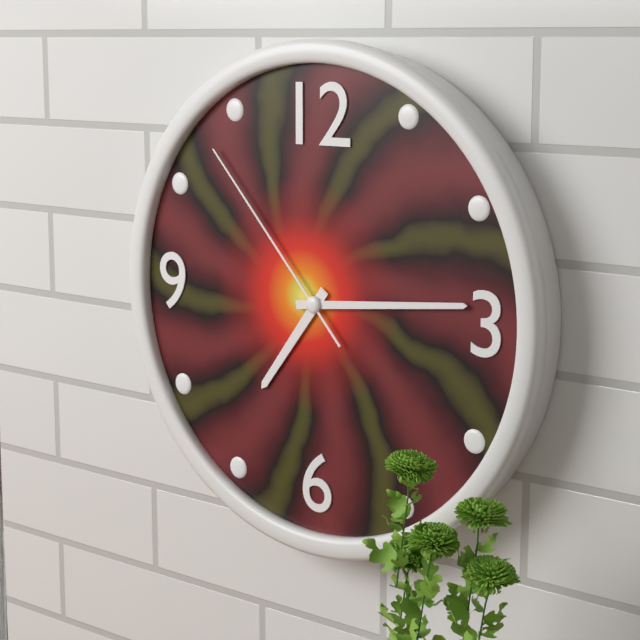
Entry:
h=7 m=14 s=53
